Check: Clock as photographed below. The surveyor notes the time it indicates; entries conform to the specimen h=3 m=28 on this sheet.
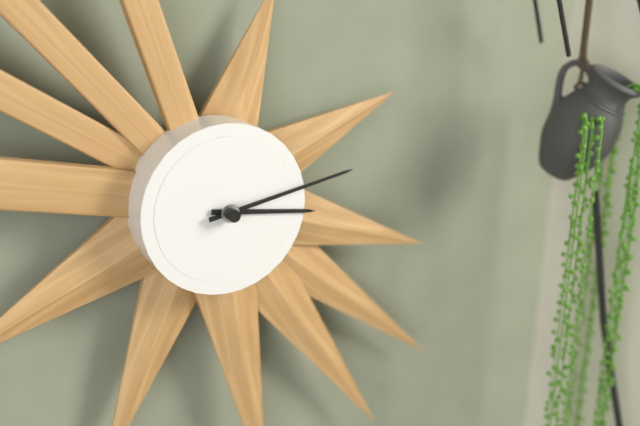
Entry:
h=3 m=13
